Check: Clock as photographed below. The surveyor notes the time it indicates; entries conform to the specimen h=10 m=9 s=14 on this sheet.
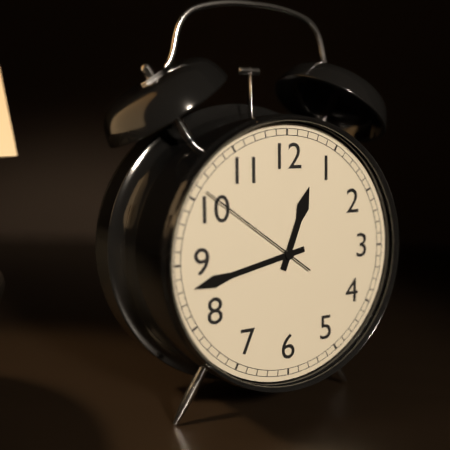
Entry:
h=12 m=43 s=51
